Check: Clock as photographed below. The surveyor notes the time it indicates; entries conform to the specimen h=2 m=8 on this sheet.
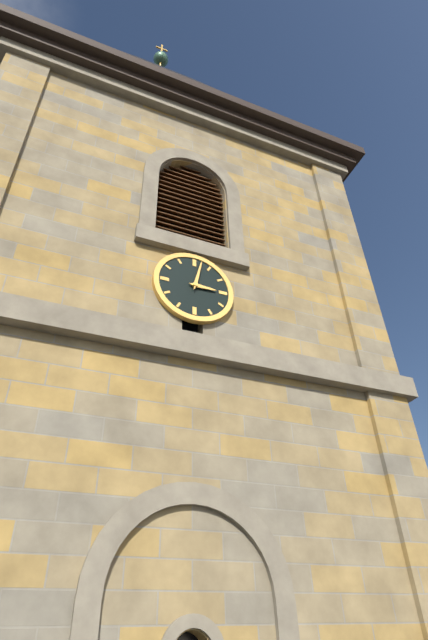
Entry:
h=3 m=2
